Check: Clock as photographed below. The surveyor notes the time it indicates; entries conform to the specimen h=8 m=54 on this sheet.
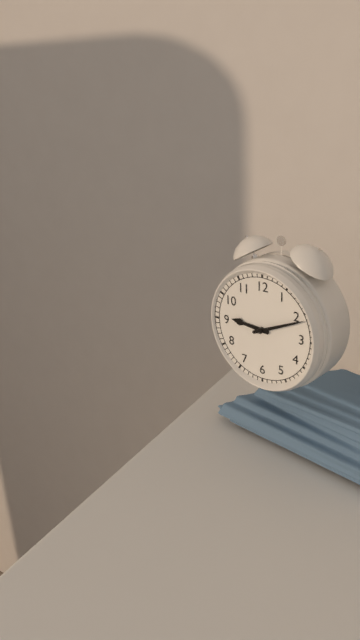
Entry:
h=9 m=11
